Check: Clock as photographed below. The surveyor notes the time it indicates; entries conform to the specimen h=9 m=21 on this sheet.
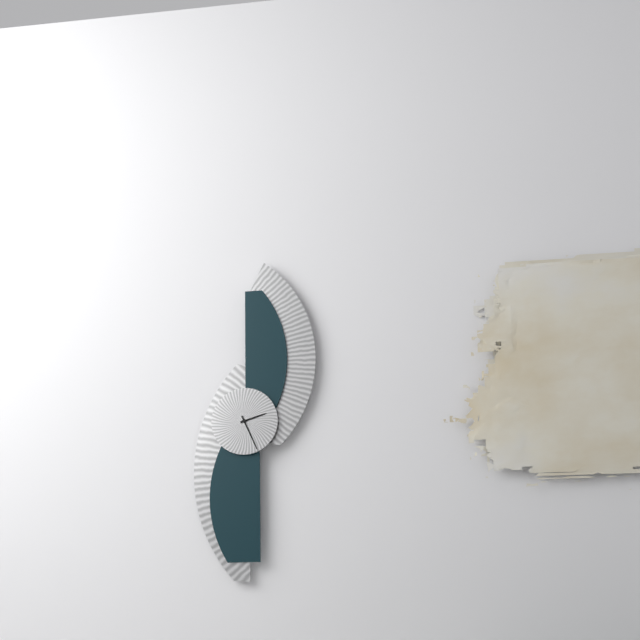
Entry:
h=2 m=26
